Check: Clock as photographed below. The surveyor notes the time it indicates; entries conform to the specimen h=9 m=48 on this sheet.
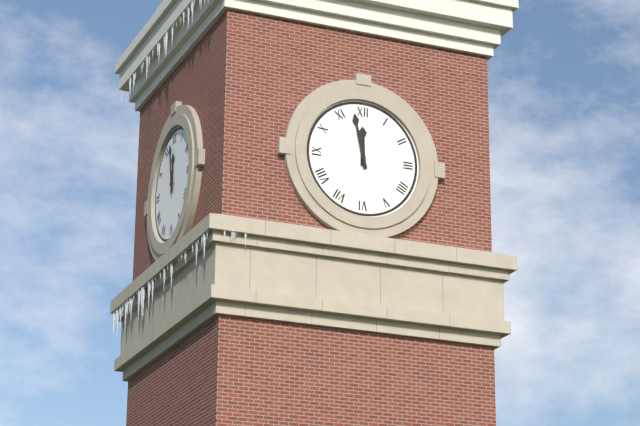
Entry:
h=11 m=58
